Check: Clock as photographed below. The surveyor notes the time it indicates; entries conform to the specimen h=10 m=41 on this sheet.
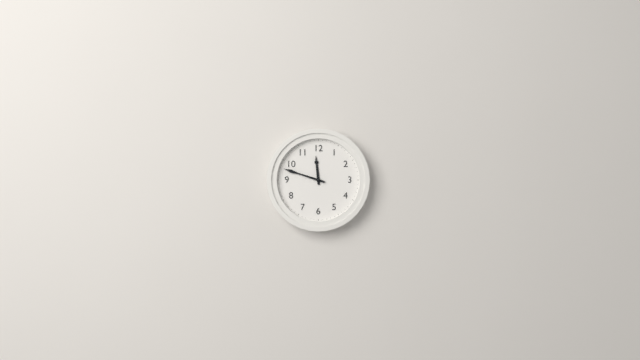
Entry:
h=11 m=48
